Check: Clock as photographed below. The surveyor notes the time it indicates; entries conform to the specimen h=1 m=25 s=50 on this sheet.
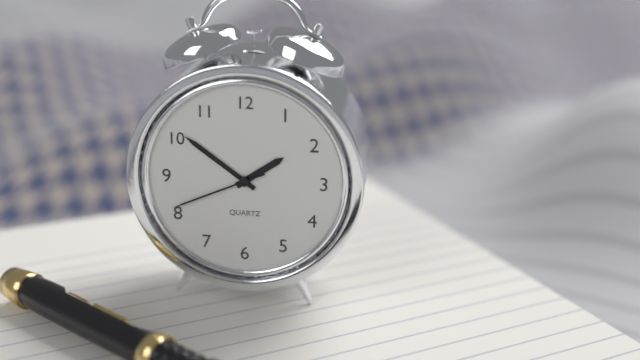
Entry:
h=1 m=51 s=41
